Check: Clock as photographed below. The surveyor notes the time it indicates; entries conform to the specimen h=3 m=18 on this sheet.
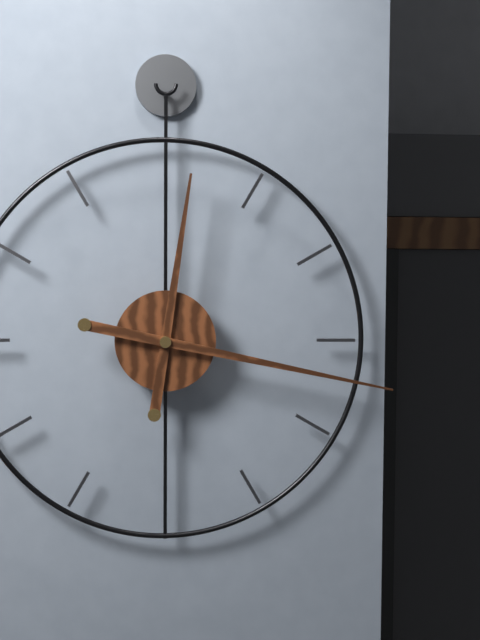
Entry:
h=12 m=17
